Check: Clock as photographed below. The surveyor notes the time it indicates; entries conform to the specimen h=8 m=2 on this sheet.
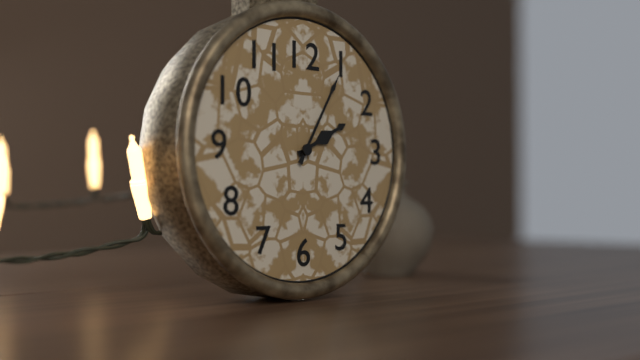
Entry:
h=2 m=5
